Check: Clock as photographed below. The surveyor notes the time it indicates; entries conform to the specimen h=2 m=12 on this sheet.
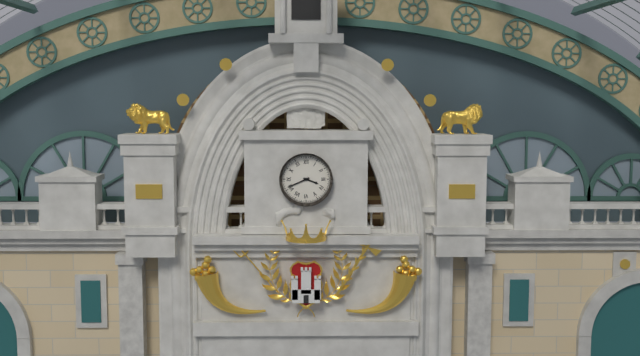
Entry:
h=3 m=41
